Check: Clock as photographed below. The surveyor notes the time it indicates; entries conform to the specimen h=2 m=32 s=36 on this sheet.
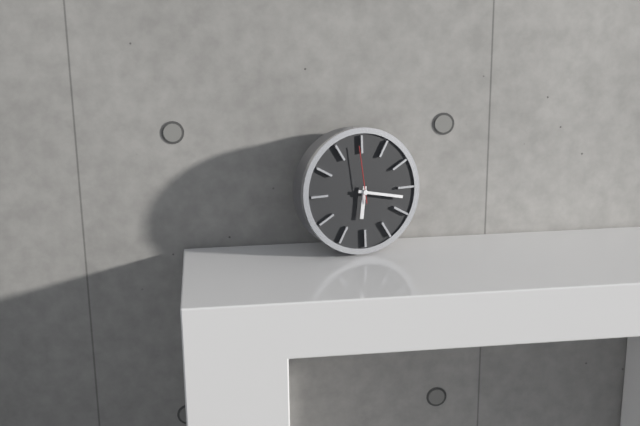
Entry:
h=6 m=17 s=59
